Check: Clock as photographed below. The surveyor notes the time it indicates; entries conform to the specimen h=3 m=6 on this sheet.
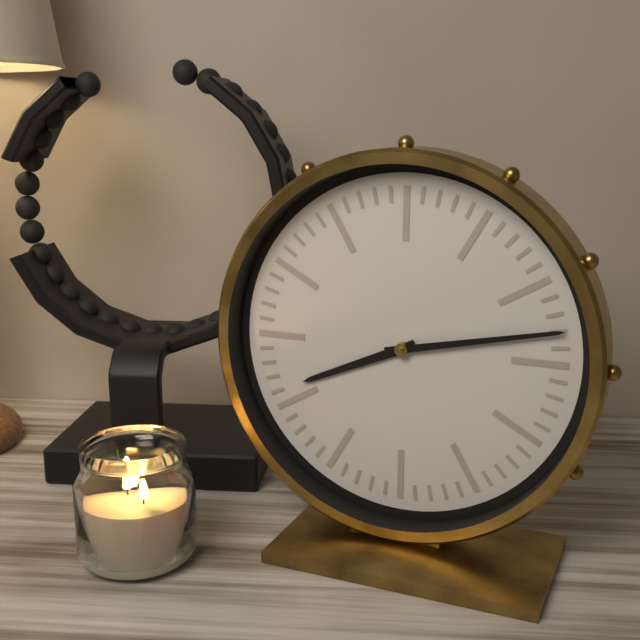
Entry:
h=8 m=13
